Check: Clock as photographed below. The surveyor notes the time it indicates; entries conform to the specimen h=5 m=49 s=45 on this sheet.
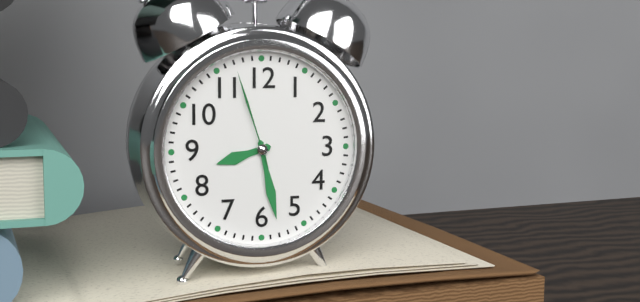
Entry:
h=8 m=28 s=57
